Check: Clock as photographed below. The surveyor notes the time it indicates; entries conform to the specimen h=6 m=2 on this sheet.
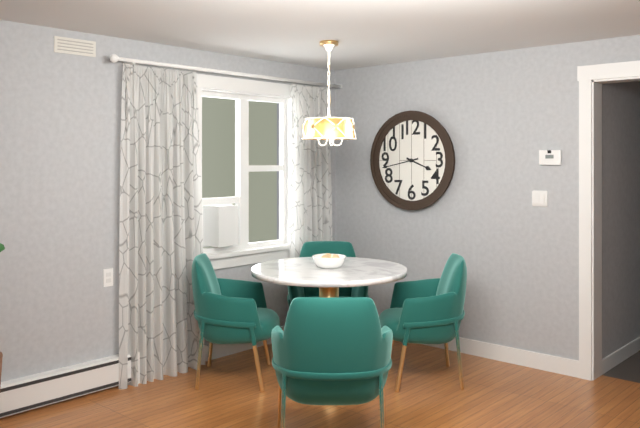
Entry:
h=3 m=43
